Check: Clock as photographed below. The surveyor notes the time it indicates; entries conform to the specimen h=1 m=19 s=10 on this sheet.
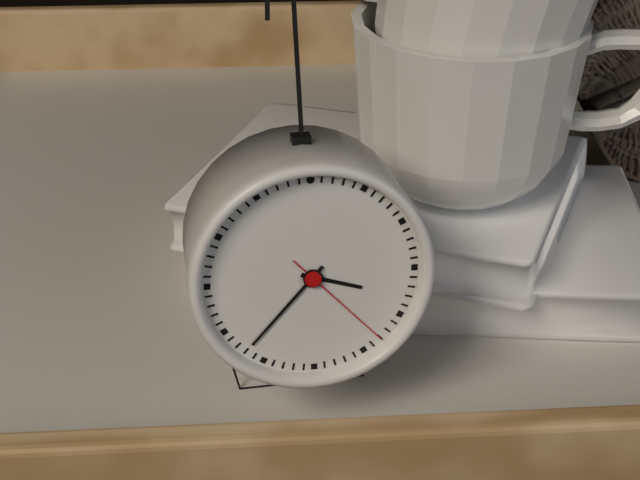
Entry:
h=3 m=37 s=23
